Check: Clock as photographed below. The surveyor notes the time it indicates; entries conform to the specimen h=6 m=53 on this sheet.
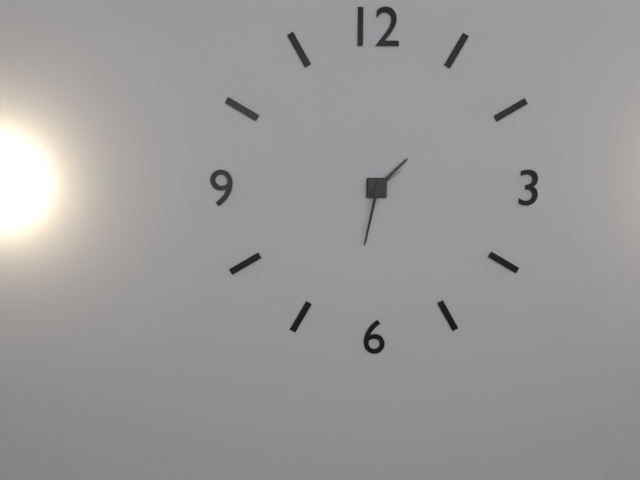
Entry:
h=1 m=32
